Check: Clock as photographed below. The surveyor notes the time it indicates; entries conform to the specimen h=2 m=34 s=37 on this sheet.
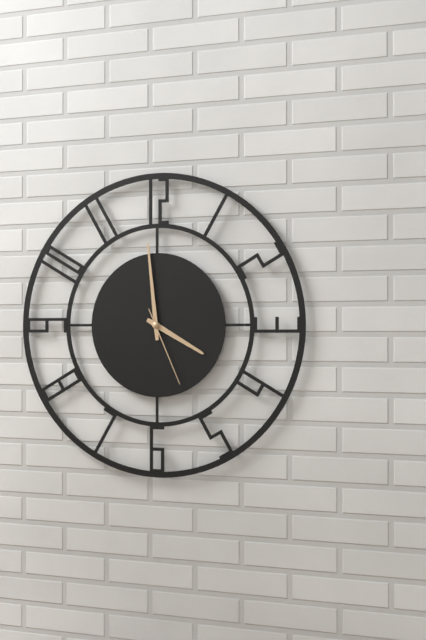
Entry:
h=3 m=59 s=26
